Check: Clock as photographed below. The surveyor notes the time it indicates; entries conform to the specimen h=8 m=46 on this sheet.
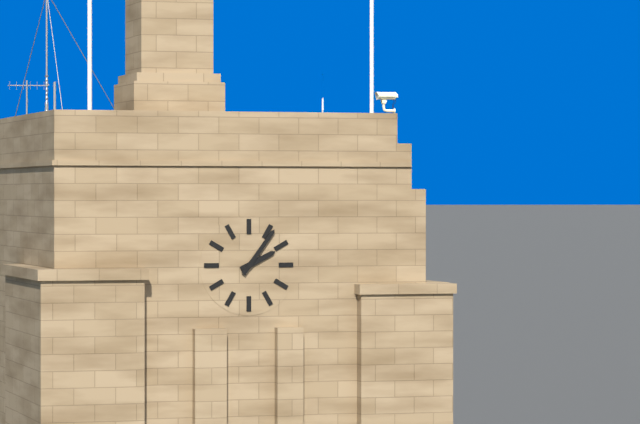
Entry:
h=2 m=6
